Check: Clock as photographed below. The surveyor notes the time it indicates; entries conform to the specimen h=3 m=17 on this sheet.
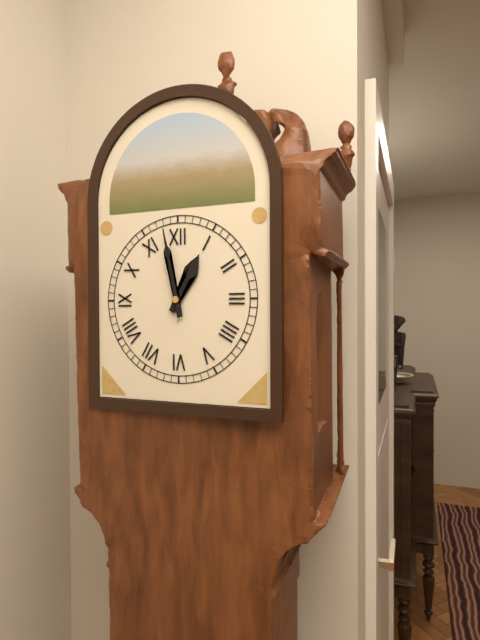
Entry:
h=12 m=58
